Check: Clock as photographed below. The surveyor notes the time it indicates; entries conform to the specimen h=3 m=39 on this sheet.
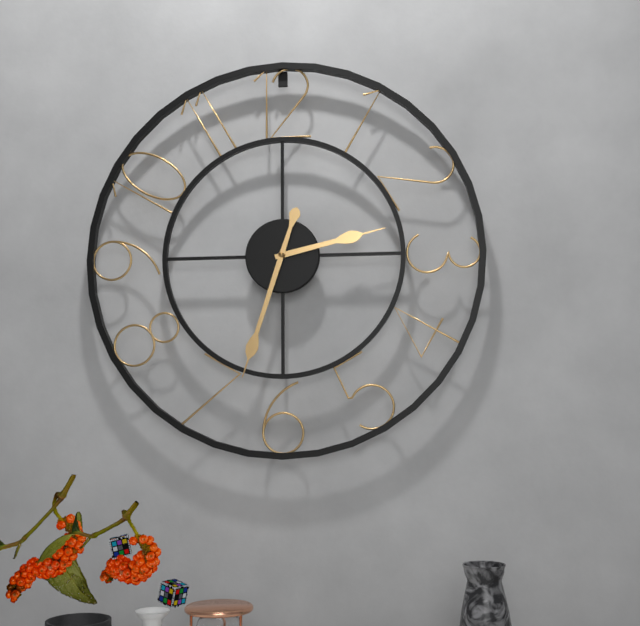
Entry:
h=2 m=33
